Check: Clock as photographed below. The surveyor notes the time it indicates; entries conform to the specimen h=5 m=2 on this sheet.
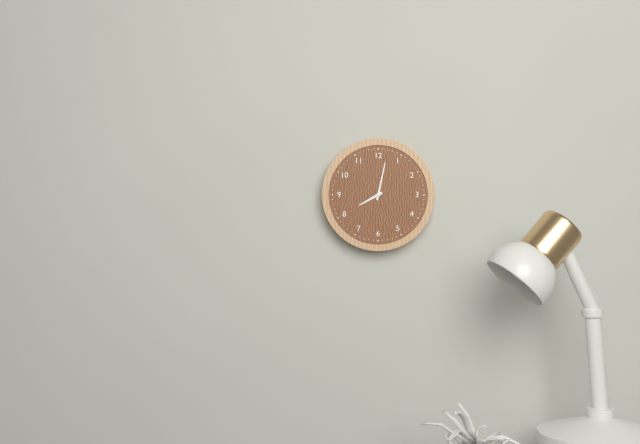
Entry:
h=8 m=2
